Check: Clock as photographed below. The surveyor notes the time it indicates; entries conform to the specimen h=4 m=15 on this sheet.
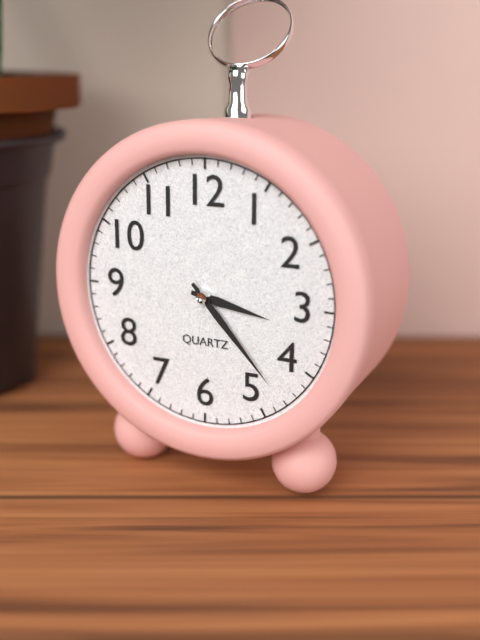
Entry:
h=3 m=23
